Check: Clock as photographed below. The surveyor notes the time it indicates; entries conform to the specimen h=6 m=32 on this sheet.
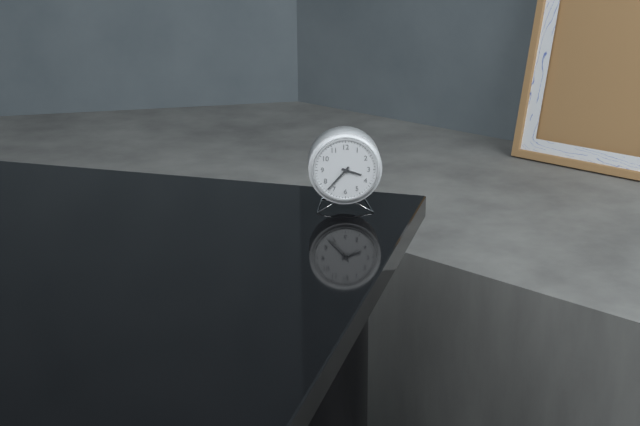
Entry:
h=3 m=37
